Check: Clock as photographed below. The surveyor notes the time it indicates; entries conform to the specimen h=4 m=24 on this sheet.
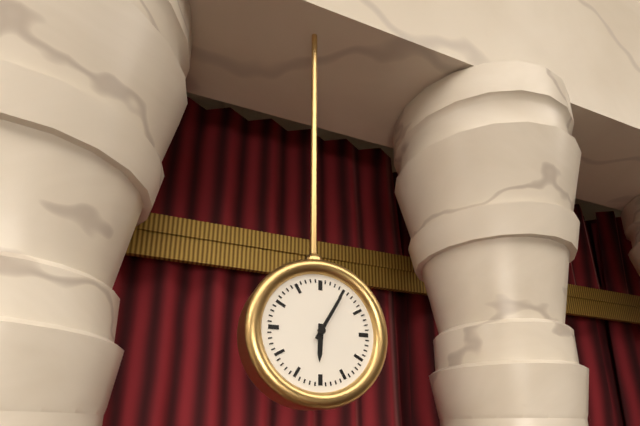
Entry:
h=6 m=5
